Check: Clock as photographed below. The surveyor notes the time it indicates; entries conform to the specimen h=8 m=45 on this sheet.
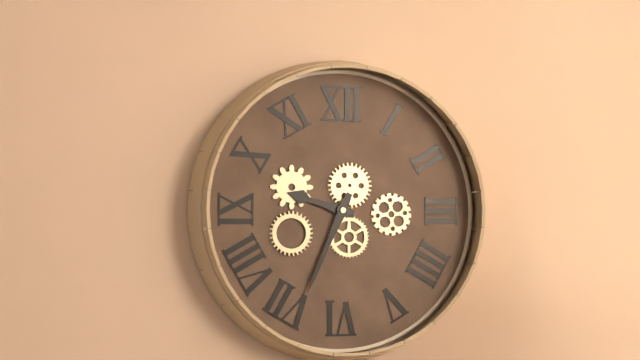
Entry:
h=9 m=34
